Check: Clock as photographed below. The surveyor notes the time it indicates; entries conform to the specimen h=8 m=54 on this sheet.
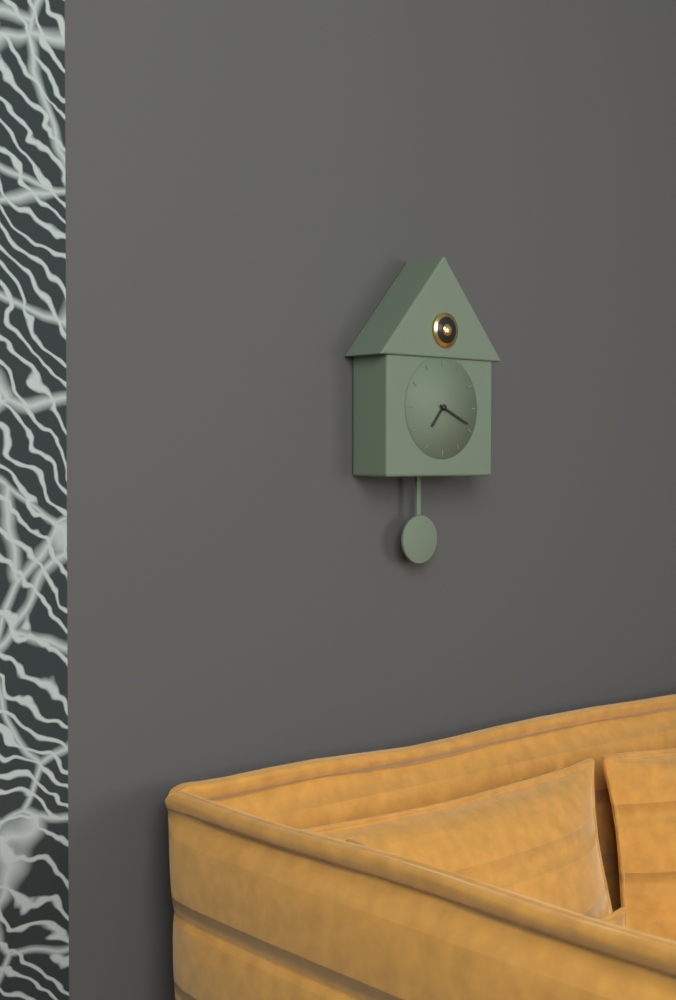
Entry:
h=7 m=19
